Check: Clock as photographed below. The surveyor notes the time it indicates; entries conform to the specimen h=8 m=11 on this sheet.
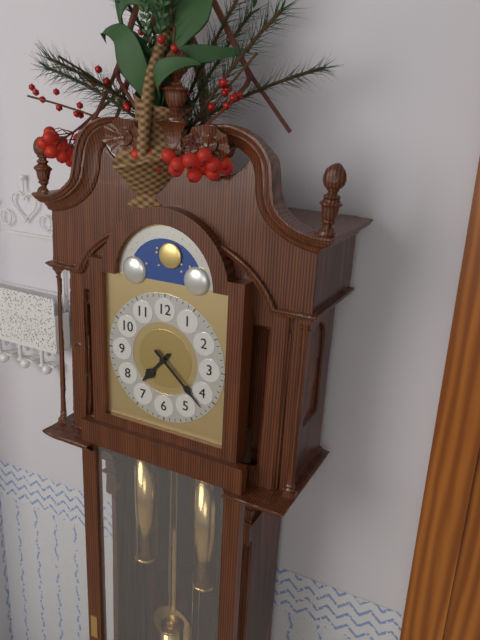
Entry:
h=7 m=22
